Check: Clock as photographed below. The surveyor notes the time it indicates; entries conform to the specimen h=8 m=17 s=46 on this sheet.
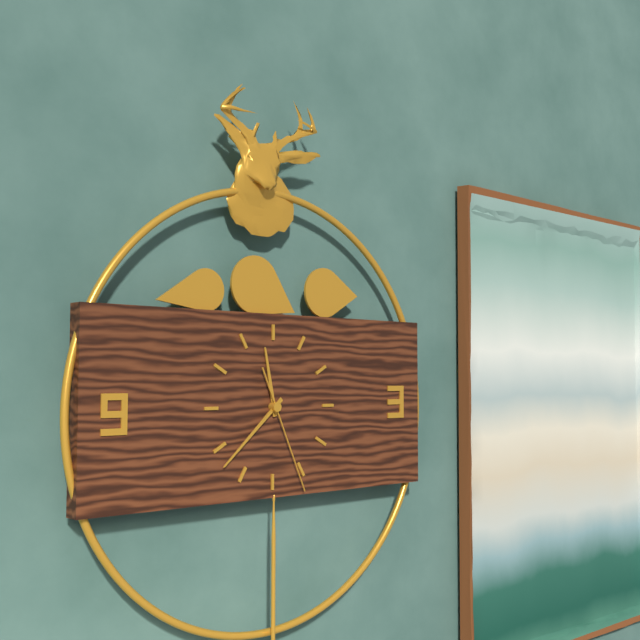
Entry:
h=11 m=38 s=26
